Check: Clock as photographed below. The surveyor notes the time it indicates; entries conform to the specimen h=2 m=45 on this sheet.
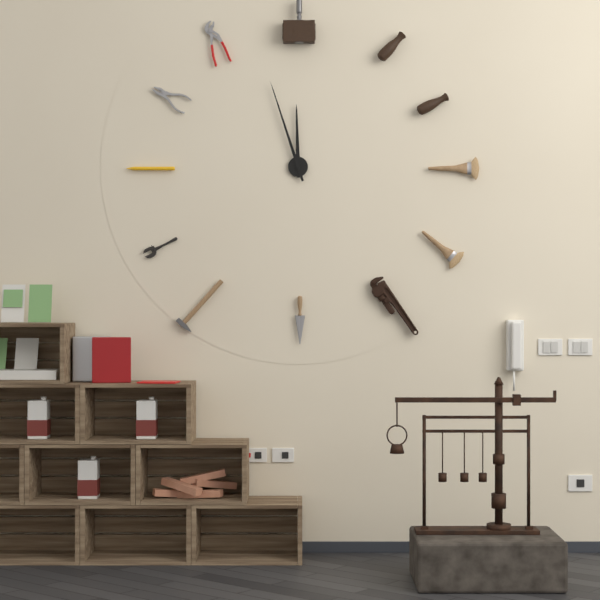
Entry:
h=11 m=57
